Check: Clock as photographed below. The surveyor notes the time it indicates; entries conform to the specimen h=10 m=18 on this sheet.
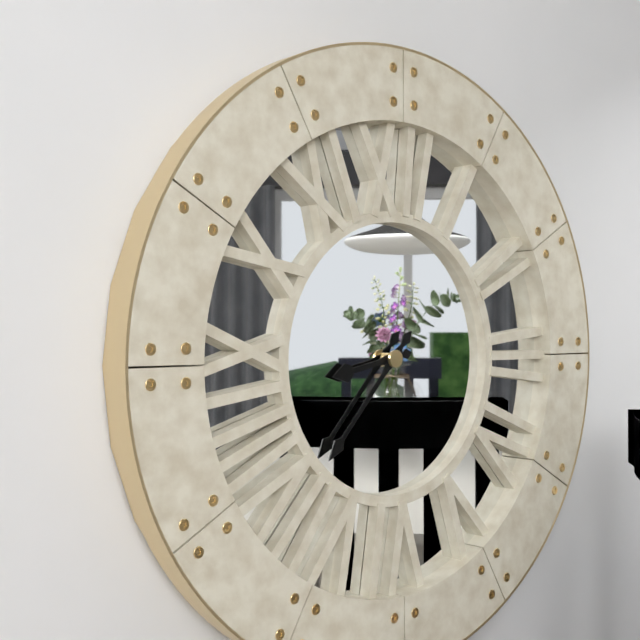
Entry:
h=8 m=37
